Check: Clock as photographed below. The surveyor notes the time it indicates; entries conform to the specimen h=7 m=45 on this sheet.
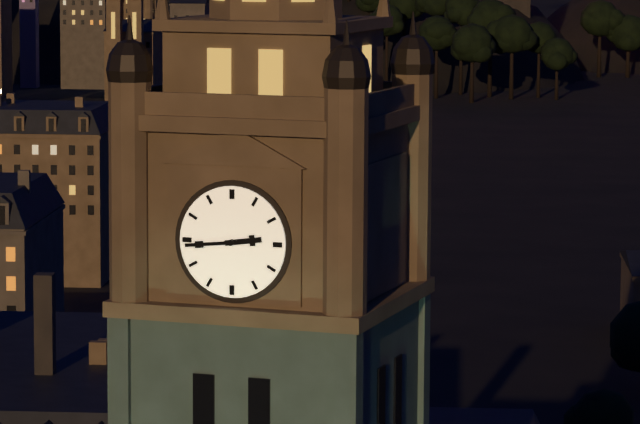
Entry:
h=2 m=44
